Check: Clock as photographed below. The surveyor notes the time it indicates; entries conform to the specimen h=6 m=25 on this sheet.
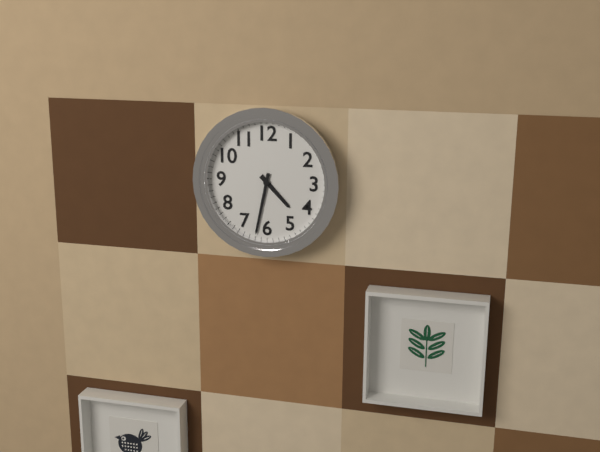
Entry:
h=4 m=32
